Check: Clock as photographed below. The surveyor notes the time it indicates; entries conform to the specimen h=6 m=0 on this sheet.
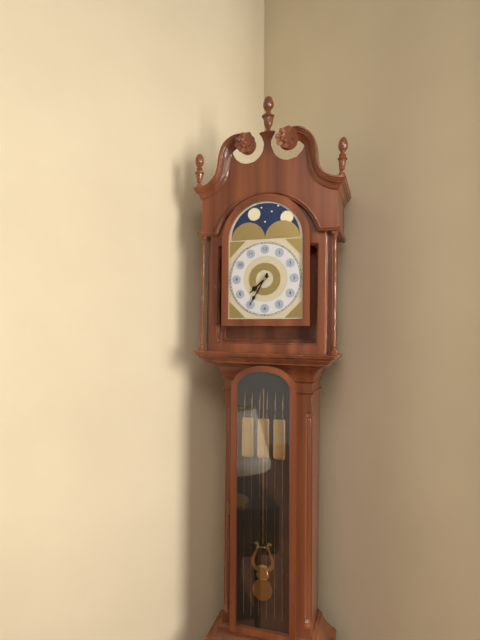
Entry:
h=7 m=35
